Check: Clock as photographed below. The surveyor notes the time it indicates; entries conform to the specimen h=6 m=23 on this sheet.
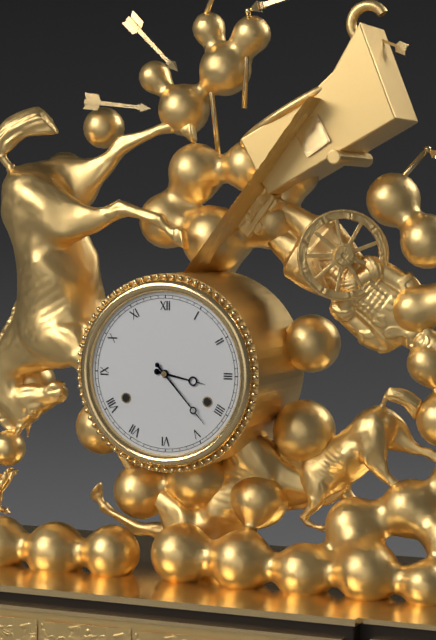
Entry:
h=3 m=23
